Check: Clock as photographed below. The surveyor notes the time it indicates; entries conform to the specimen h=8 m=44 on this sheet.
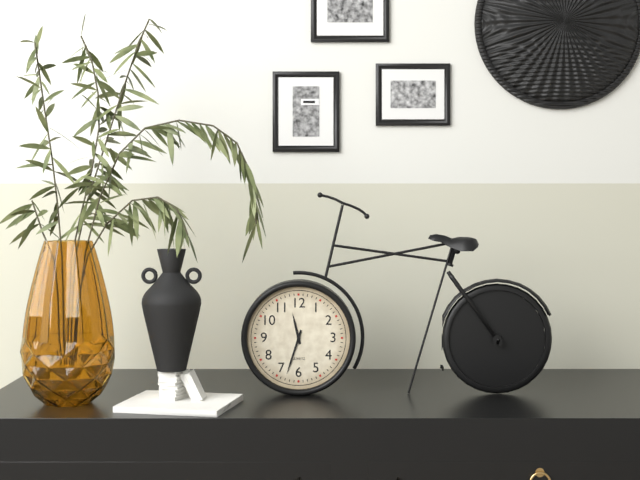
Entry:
h=11 m=33
